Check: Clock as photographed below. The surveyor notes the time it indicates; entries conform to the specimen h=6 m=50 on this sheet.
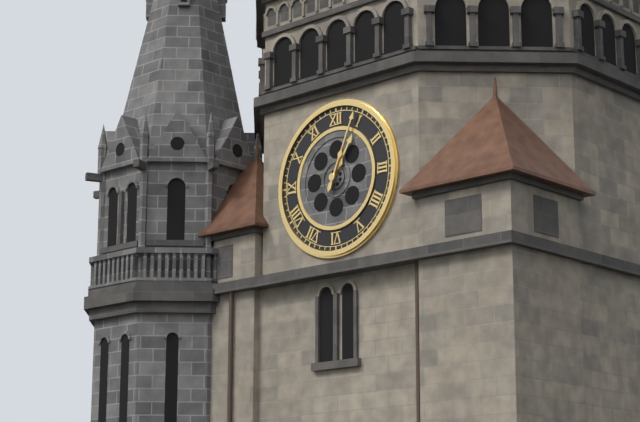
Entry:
h=1 m=4
